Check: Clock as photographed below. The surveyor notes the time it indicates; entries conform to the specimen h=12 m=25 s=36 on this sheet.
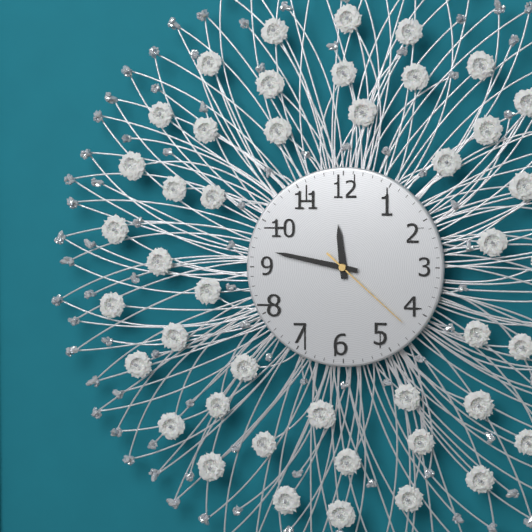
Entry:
h=11 m=47 s=22
